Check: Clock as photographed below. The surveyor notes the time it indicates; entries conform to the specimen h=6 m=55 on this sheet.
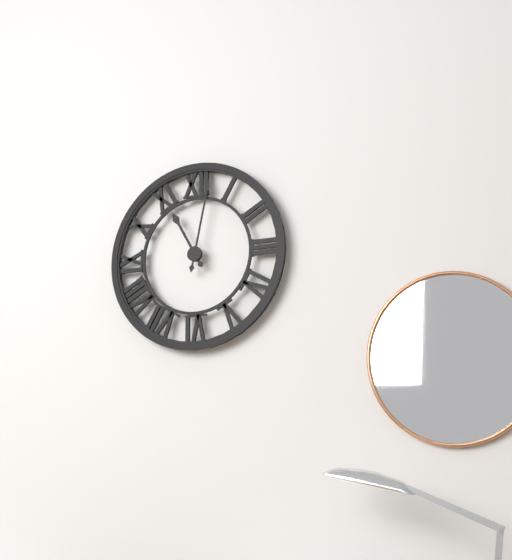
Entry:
h=11 m=2
